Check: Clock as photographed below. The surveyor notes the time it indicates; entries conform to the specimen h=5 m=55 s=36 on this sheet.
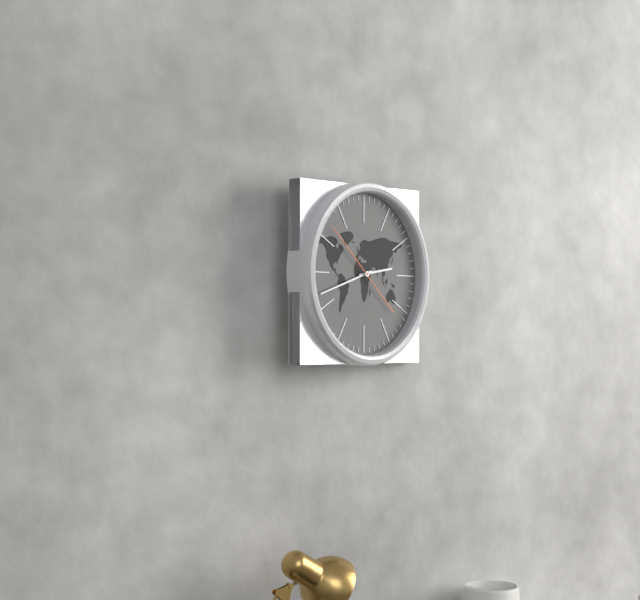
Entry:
h=2 m=42 s=52
